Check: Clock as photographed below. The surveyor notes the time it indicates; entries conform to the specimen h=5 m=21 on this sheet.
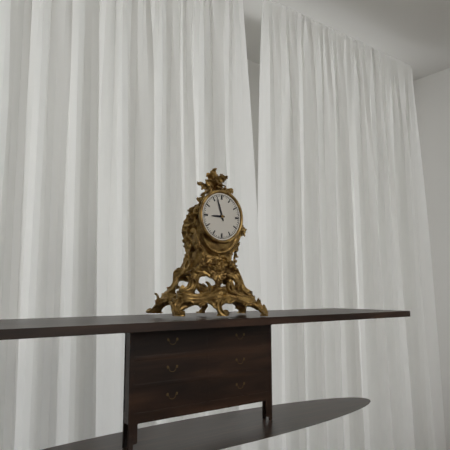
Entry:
h=8 m=57
